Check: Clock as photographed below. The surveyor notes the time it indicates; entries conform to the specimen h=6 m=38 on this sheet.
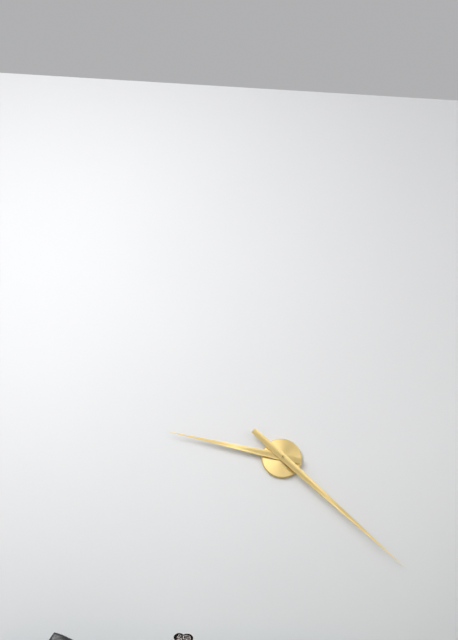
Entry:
h=9 m=22
